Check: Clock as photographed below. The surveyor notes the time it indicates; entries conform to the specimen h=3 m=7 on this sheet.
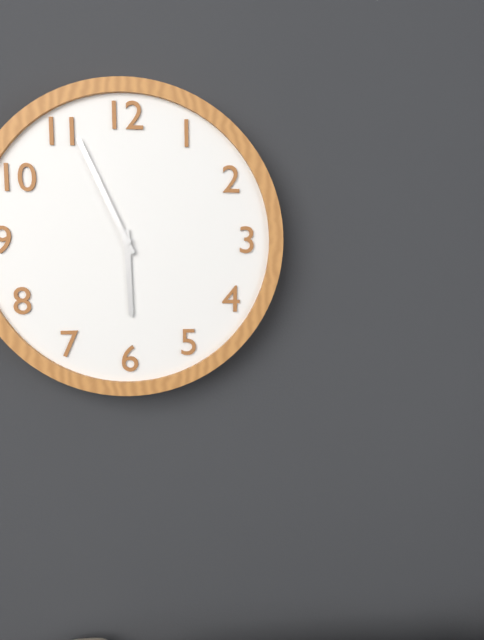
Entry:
h=5 m=56
